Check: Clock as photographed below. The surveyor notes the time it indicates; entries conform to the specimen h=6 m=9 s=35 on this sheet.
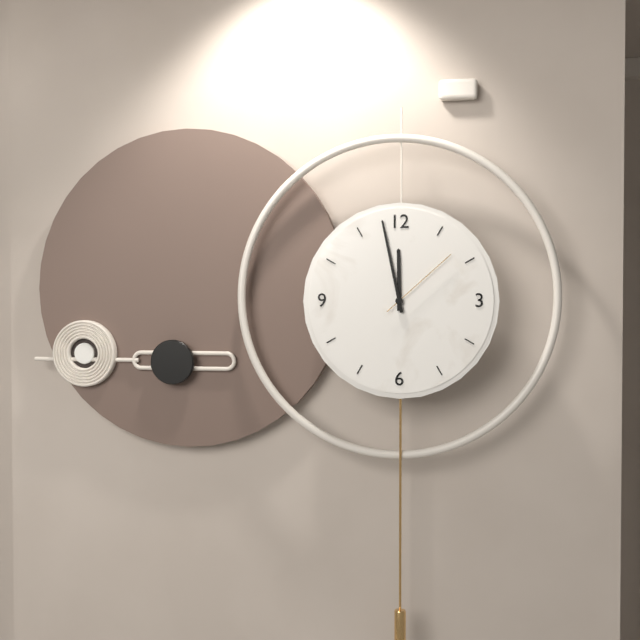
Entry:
h=11 m=58 s=8
